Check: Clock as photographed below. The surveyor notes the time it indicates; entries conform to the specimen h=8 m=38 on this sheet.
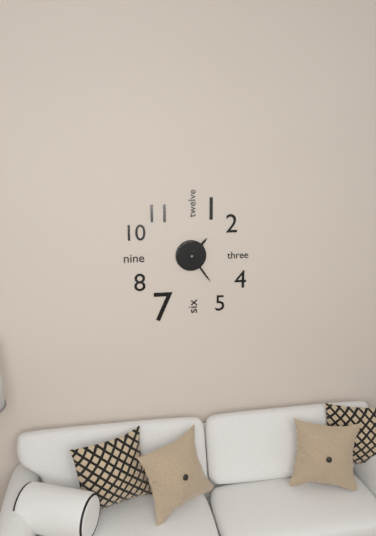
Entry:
h=1 m=24
